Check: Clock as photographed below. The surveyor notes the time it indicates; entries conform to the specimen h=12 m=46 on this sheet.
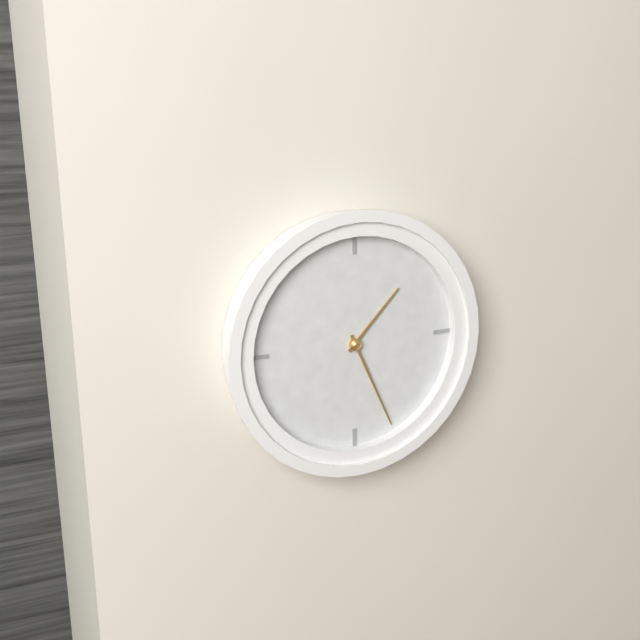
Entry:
h=1 m=26
